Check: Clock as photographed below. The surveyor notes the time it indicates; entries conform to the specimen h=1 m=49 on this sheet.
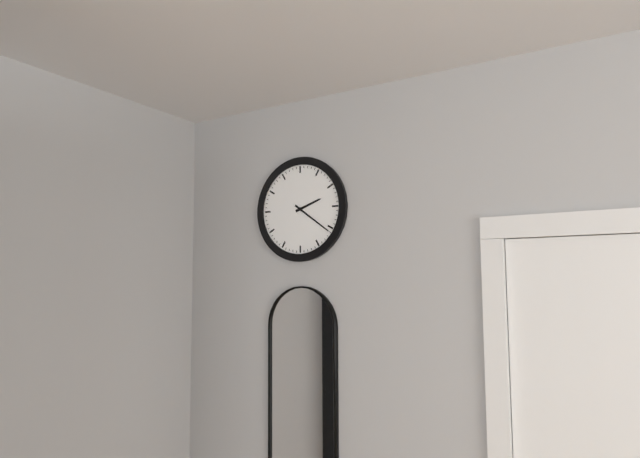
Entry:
h=2 m=21
